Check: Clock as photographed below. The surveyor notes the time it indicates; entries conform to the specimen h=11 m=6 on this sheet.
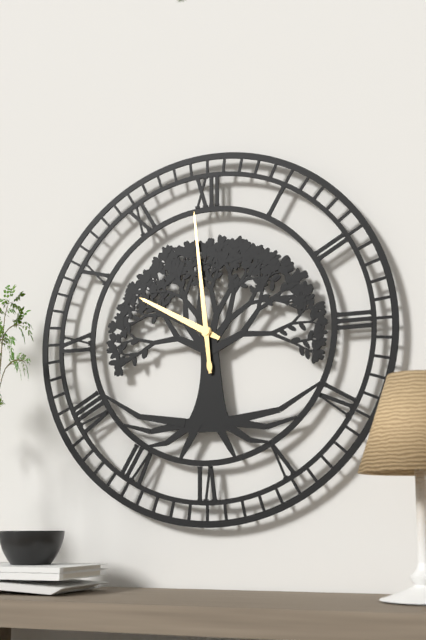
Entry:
h=9 m=59
